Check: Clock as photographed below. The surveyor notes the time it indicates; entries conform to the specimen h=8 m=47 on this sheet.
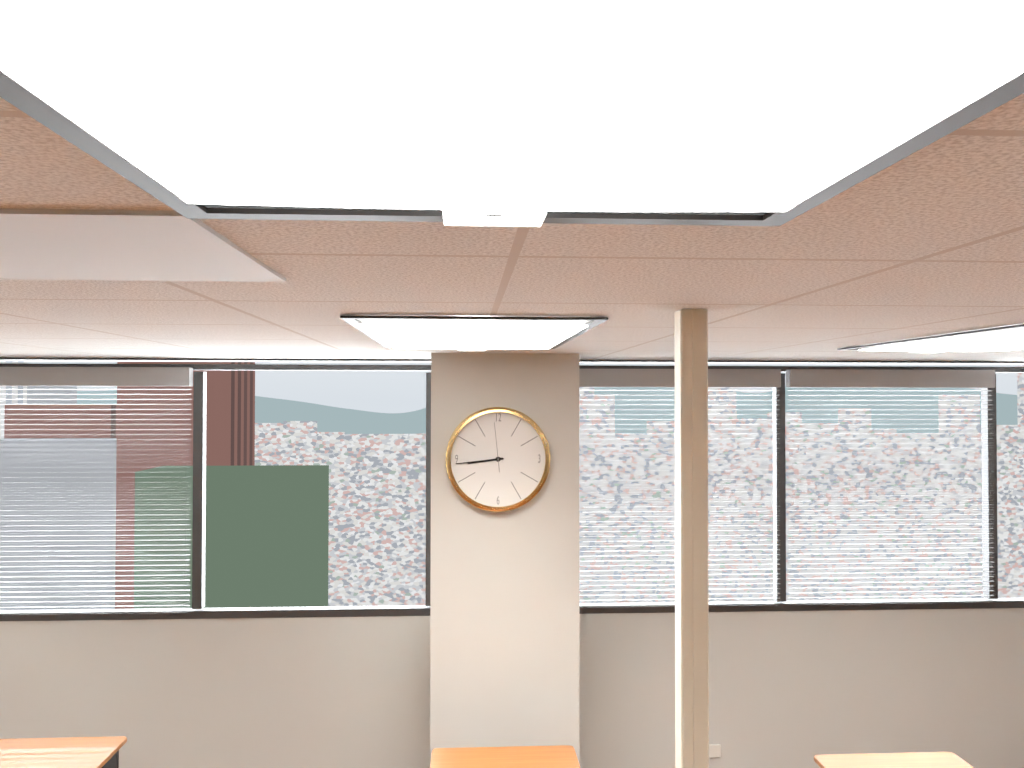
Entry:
h=8 m=44
